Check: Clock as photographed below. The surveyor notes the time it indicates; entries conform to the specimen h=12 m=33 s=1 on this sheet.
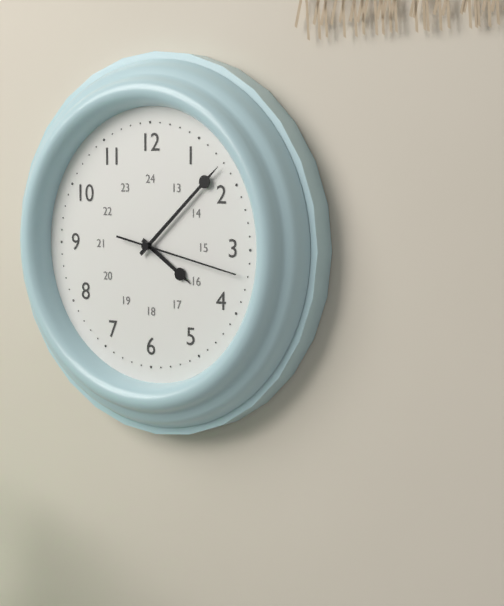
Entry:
h=4 m=8 s=17
